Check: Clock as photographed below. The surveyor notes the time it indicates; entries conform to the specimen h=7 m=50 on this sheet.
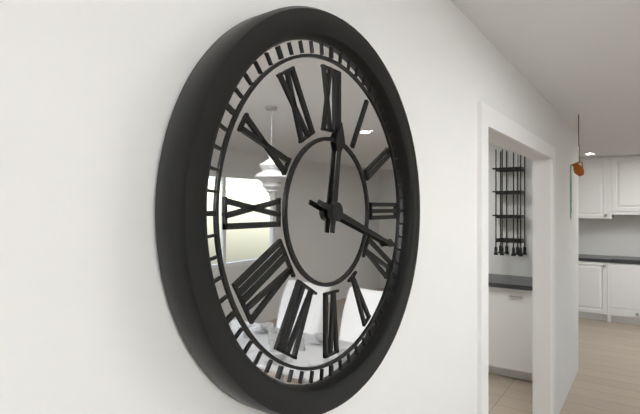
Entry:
h=12 m=18
